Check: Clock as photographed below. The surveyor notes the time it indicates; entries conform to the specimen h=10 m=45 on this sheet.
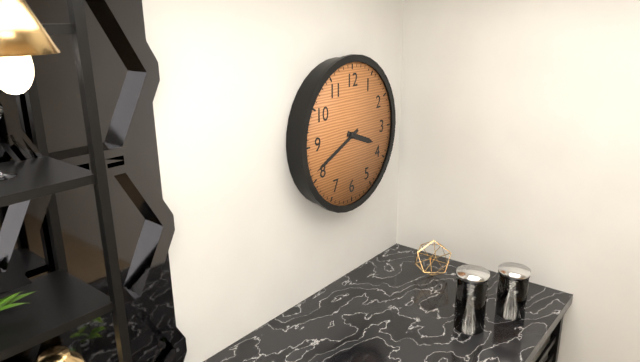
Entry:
h=3 m=41
